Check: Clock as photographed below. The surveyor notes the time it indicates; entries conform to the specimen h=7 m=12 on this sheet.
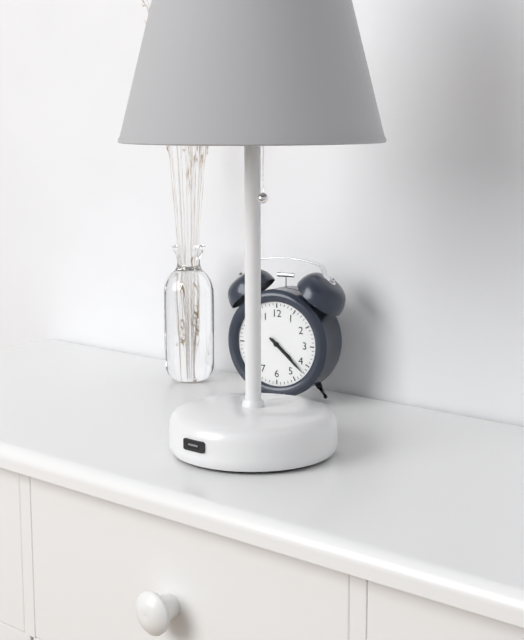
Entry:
h=4 m=22
